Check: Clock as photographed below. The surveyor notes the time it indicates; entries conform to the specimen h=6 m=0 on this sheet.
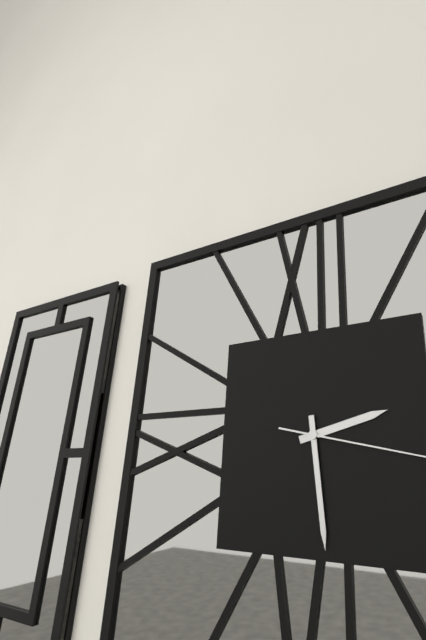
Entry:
h=2 m=29
